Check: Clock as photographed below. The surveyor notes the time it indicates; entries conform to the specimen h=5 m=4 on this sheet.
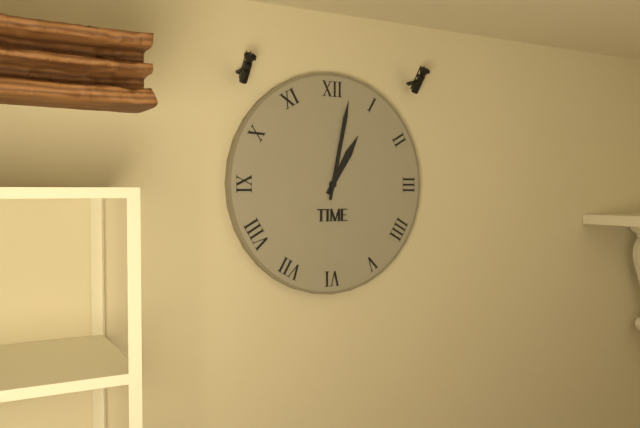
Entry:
h=1 m=2
